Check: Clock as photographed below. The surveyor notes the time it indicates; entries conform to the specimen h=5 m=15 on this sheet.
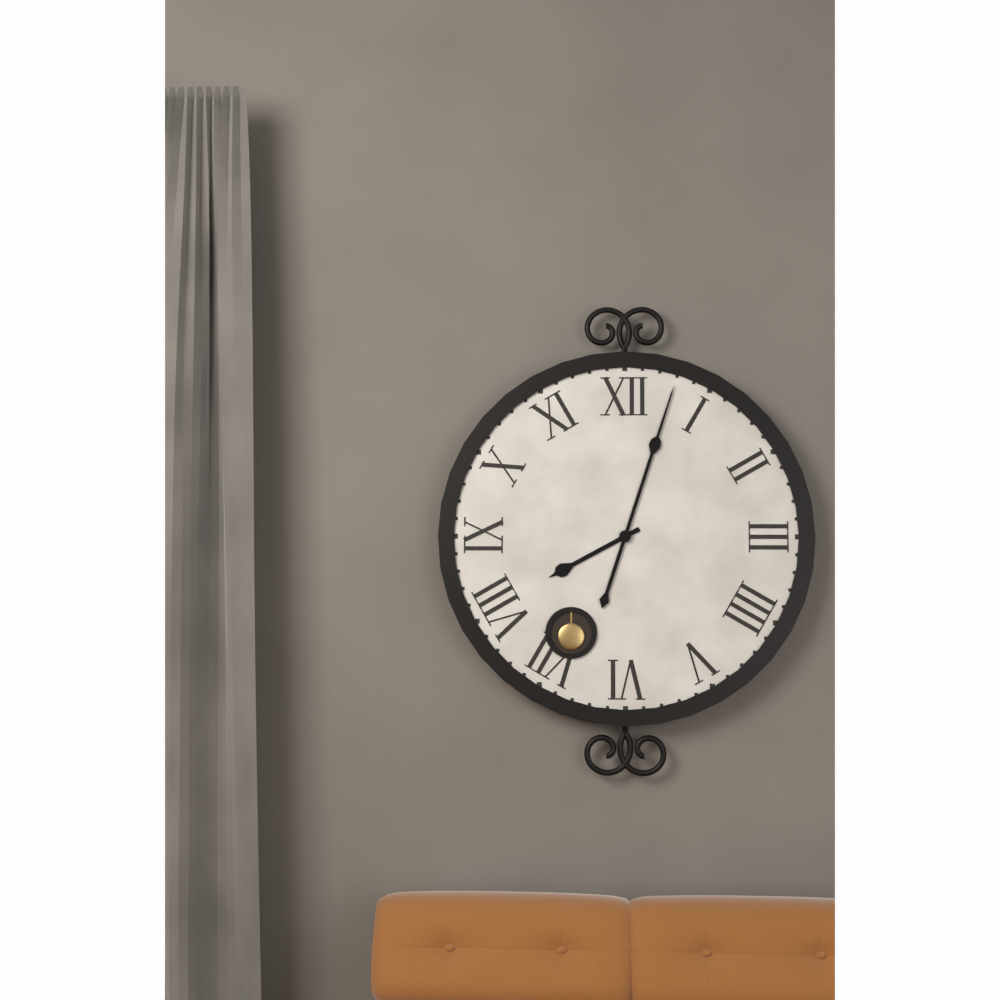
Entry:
h=8 m=3
